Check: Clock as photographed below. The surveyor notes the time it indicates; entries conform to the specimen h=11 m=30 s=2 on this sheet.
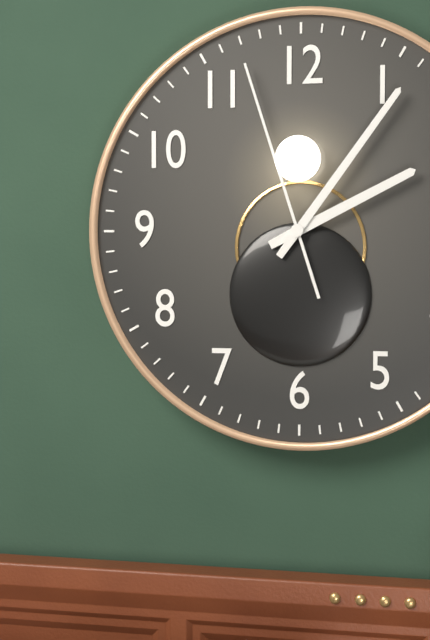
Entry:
h=2 m=6 s=57
